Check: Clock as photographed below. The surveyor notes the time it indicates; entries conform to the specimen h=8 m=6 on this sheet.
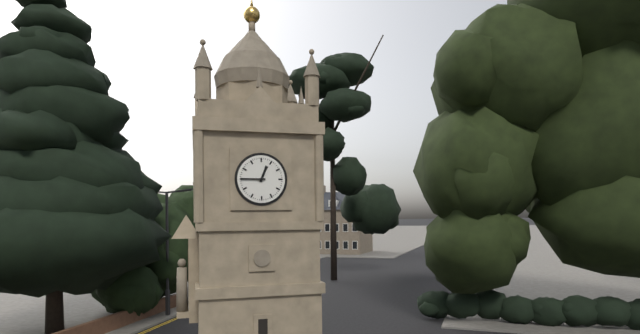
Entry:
h=12 m=45
